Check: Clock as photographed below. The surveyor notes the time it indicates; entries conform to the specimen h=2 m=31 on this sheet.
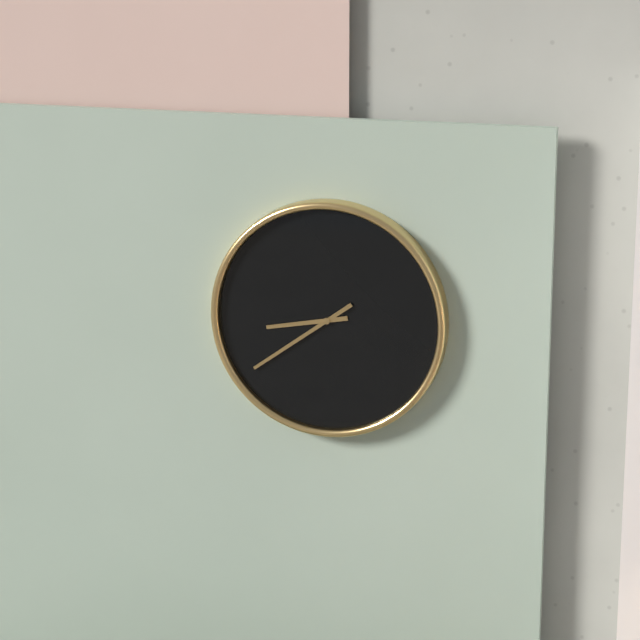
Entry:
h=8 m=39
